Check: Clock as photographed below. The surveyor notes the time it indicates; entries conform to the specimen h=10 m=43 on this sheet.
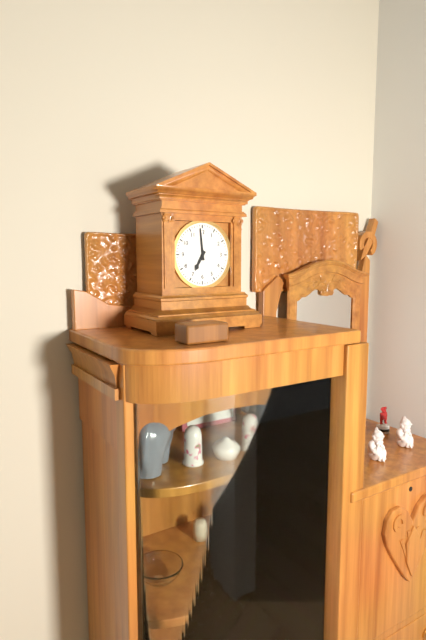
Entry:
h=6 m=59
